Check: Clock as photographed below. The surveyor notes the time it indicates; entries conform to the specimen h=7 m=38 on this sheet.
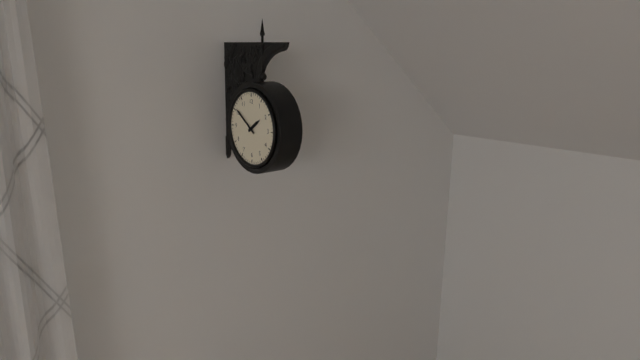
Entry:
h=1 m=51
